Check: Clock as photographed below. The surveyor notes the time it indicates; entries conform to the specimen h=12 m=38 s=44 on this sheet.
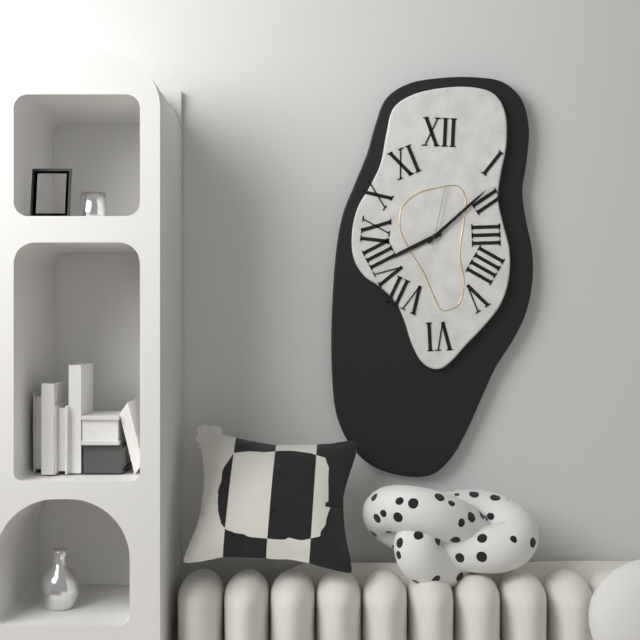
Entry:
h=8 m=8 s=2
